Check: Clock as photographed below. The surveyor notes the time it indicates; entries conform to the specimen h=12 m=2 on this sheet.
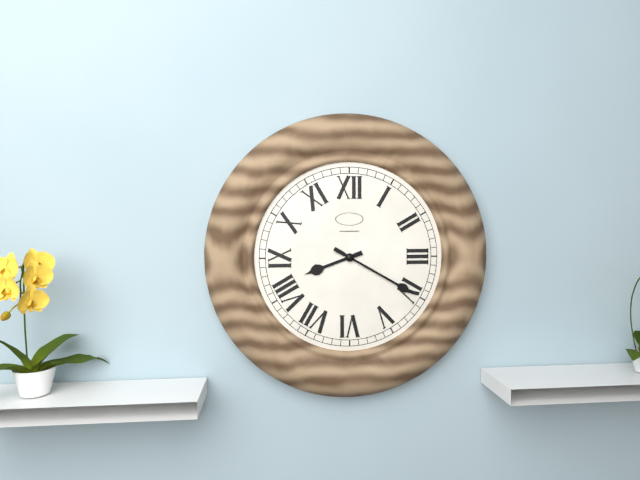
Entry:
h=8 m=20
